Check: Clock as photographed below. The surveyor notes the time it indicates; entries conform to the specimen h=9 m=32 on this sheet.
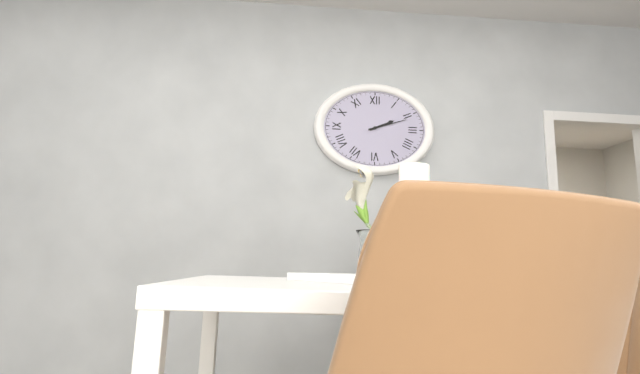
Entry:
h=2 m=12
